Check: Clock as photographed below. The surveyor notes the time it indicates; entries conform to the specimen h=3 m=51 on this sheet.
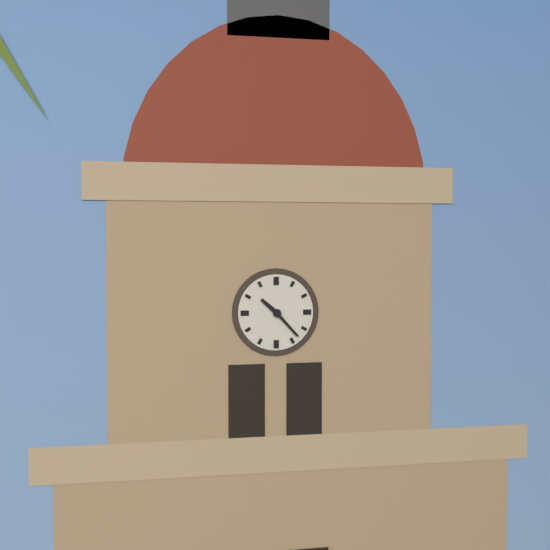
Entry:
h=10 m=23
